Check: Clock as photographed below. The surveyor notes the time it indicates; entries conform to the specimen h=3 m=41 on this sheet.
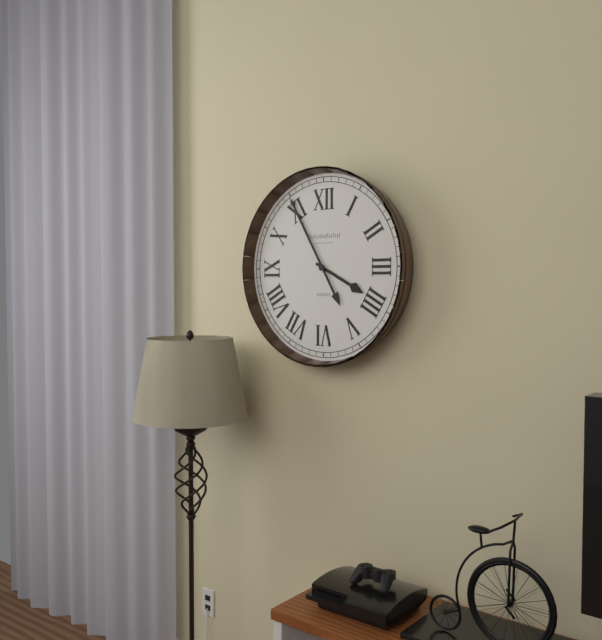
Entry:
h=3 m=55
